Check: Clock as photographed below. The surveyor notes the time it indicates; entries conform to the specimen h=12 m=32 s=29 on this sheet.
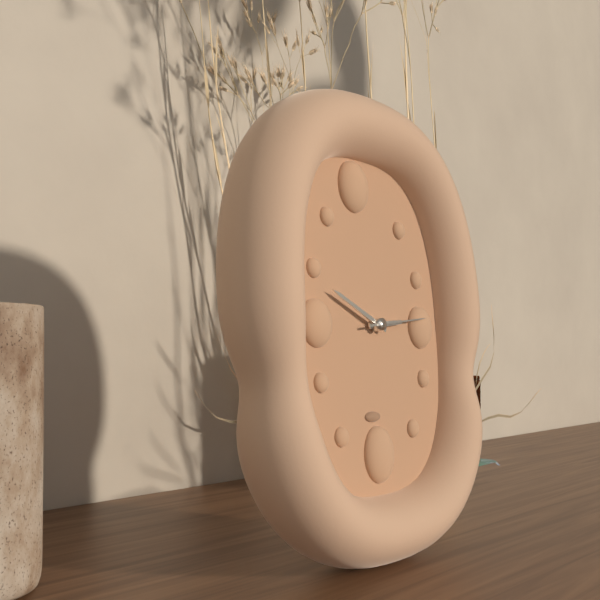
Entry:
h=2 m=49 s=14
